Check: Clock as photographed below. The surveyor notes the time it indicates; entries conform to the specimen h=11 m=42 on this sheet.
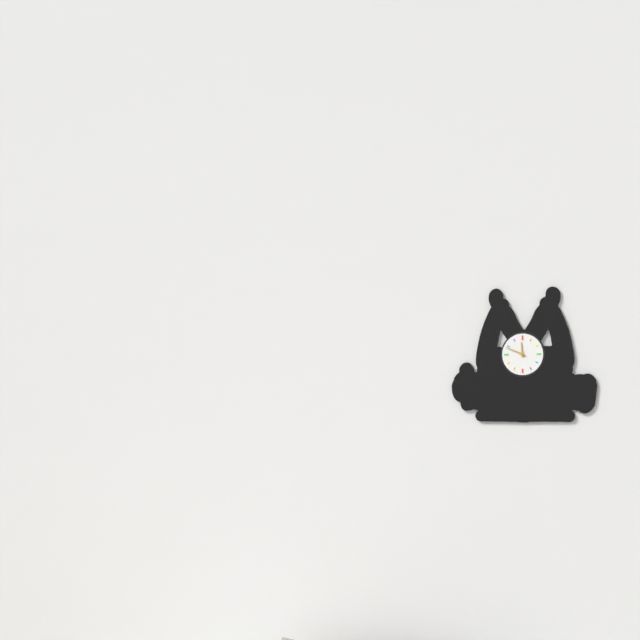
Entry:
h=11 m=49
